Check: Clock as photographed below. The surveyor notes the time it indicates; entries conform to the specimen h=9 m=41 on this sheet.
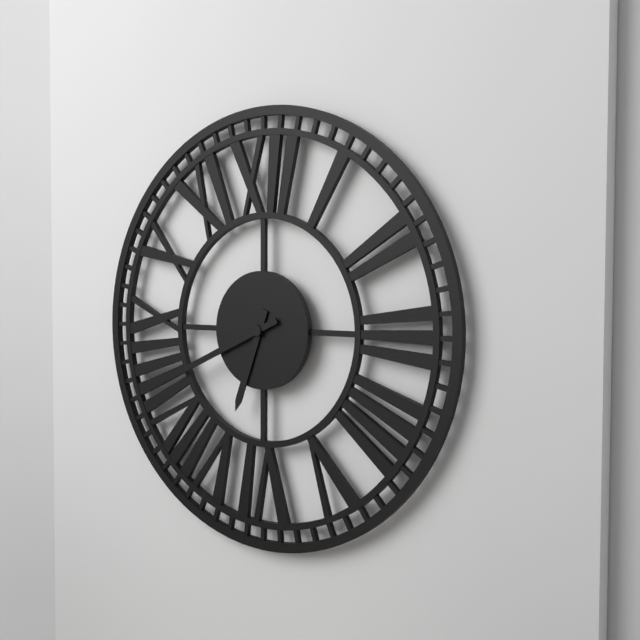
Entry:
h=6 m=41
